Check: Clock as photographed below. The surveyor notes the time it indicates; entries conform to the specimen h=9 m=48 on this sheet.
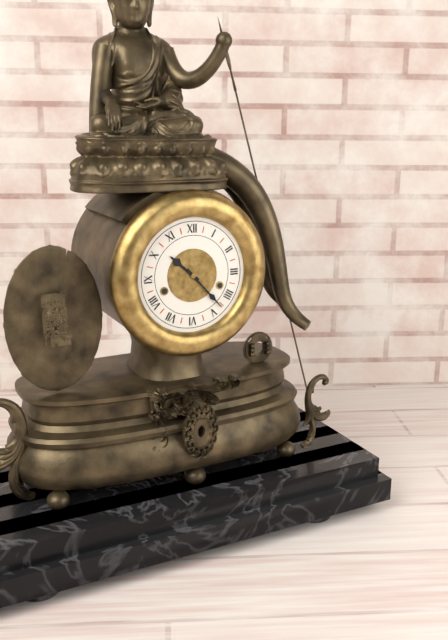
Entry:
h=10 m=23
